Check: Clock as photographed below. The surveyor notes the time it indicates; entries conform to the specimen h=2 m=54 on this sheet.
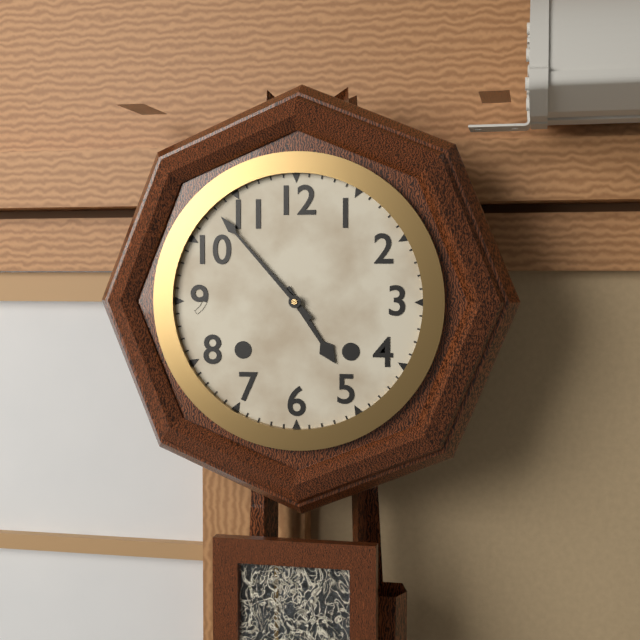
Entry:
h=4 m=53
